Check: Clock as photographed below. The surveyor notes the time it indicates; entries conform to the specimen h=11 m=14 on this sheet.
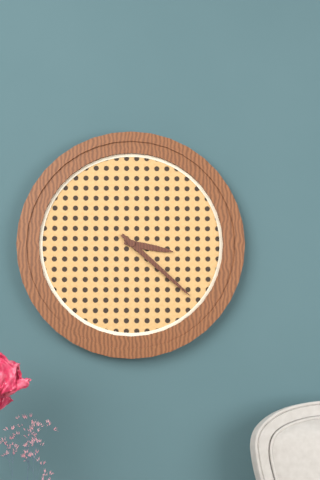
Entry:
h=3 m=22
